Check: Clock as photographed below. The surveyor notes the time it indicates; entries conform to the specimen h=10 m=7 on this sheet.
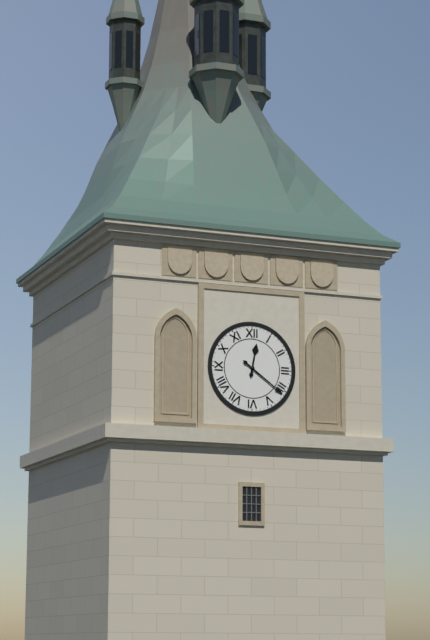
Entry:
h=12 m=21
